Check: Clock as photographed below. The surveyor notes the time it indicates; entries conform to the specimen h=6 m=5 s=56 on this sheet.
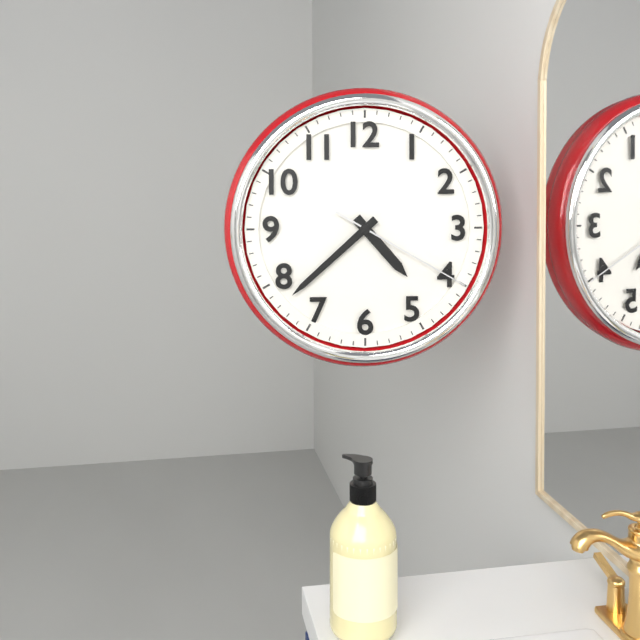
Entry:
h=4 m=38 s=20
